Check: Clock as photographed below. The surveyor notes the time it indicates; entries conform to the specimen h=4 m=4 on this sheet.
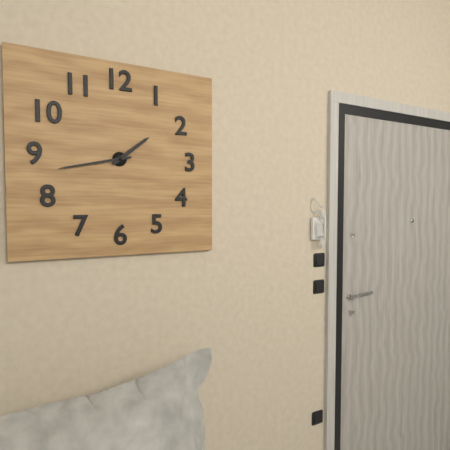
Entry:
h=1 m=43
